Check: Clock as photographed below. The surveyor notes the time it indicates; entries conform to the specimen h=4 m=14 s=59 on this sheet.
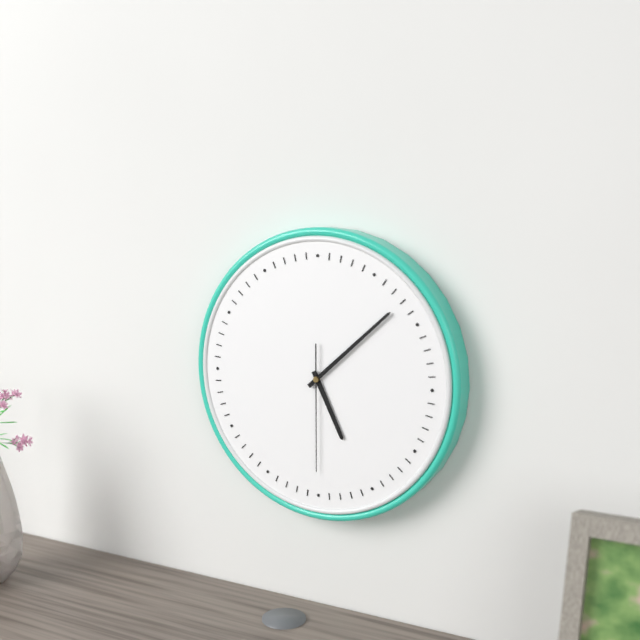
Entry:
h=5 m=8 s=30
